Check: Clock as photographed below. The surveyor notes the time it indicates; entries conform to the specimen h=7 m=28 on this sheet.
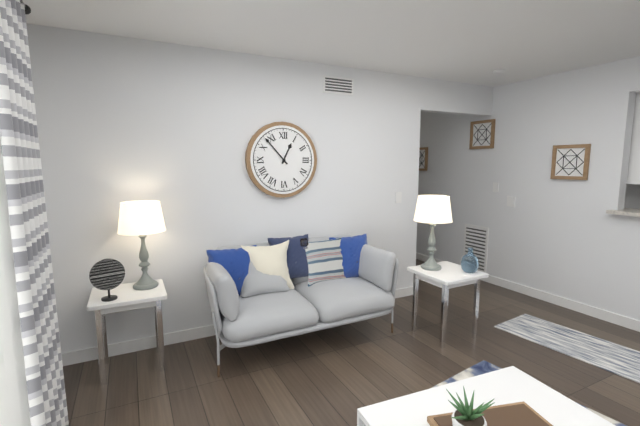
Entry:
h=12 m=53
